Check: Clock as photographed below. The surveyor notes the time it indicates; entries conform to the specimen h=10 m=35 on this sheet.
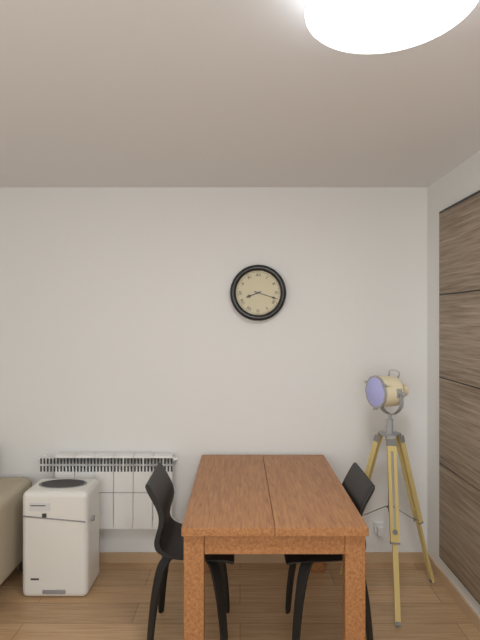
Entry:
h=8 m=18
